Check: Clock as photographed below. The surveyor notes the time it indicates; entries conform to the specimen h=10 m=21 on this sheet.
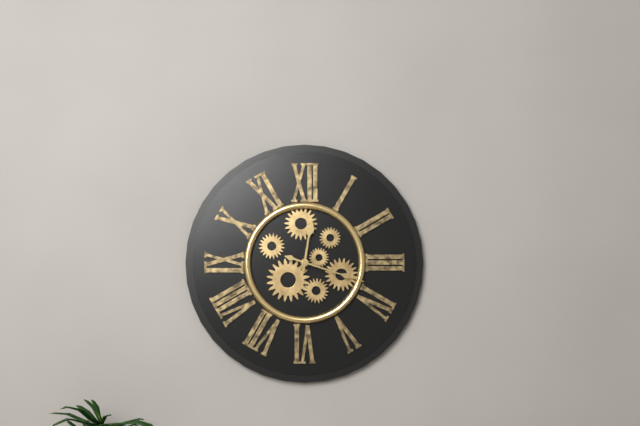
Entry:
h=12 m=18
